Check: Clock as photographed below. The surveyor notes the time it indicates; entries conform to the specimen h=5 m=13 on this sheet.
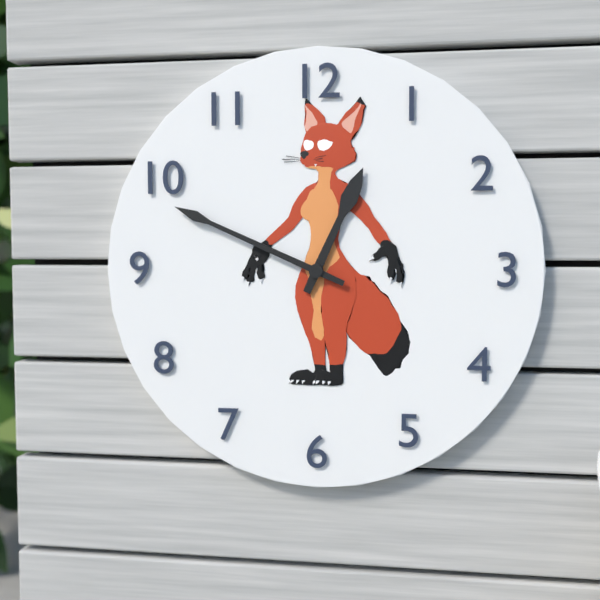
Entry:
h=12 m=49
